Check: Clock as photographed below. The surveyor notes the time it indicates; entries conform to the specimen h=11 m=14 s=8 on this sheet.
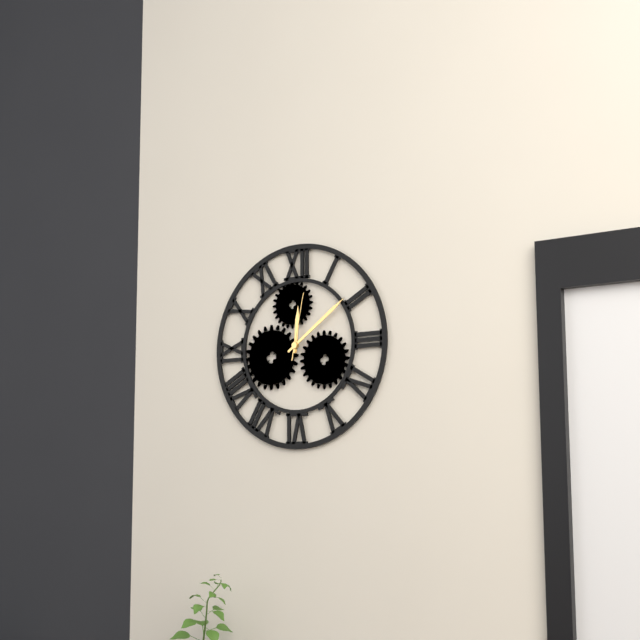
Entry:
h=12 m=9 s=2
